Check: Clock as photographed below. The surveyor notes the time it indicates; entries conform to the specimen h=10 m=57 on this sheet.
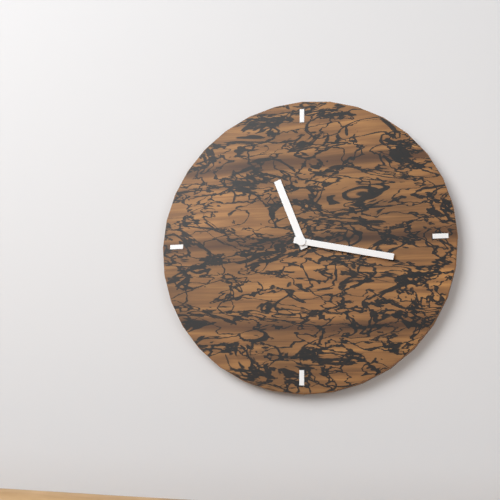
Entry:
h=11 m=17
